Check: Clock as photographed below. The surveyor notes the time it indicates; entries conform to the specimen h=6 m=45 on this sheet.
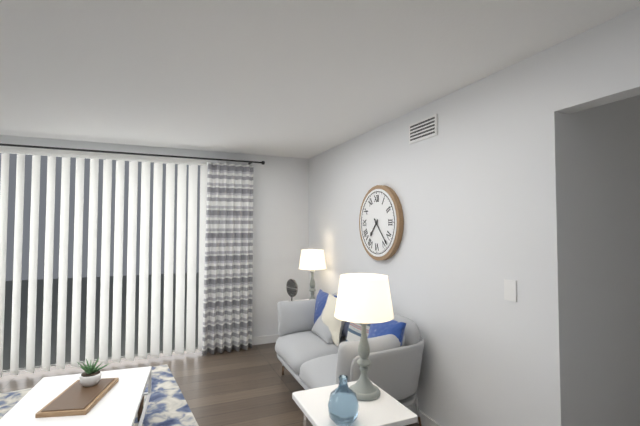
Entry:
h=7 m=23
